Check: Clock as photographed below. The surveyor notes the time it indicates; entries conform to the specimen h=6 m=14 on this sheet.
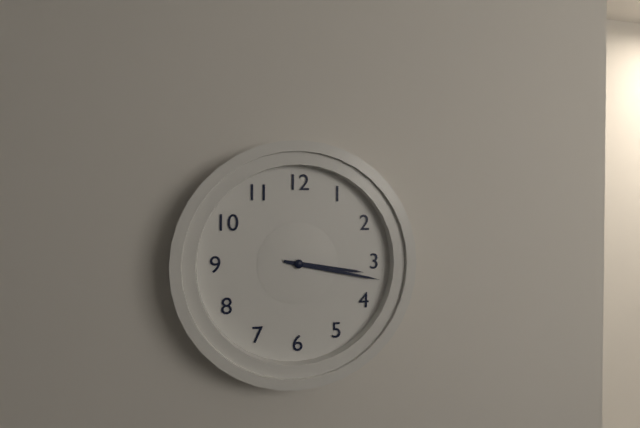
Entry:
h=3 m=17
